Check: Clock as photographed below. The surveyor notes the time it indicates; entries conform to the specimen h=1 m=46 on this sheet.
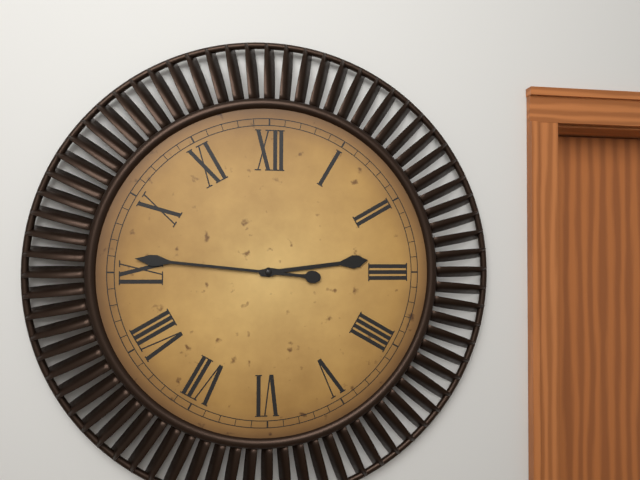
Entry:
h=2 m=46
